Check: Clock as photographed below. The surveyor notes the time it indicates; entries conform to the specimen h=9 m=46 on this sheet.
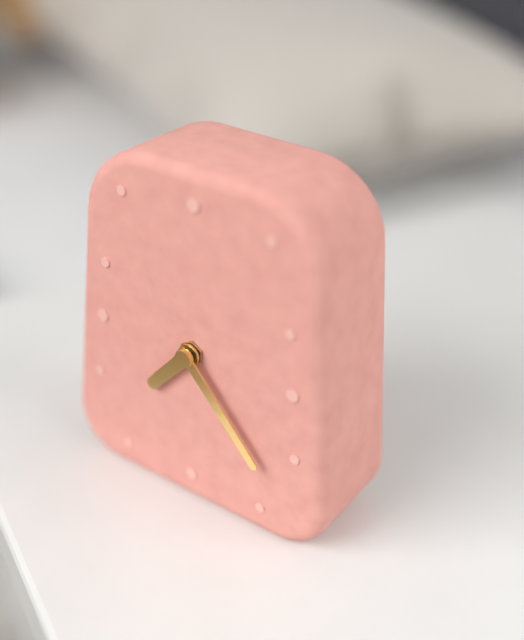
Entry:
h=7 m=23
